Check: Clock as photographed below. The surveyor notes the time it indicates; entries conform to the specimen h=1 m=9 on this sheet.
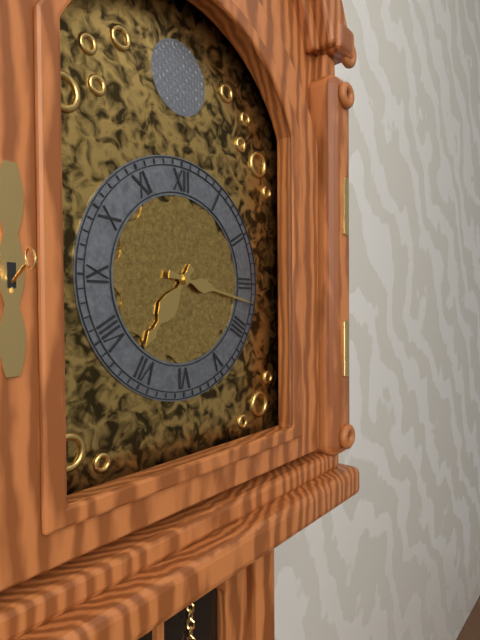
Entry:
h=7 m=17
